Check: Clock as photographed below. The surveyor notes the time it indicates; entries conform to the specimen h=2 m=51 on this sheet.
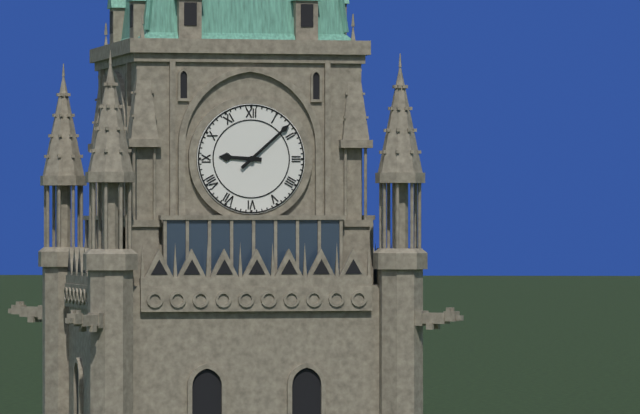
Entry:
h=9 m=8
